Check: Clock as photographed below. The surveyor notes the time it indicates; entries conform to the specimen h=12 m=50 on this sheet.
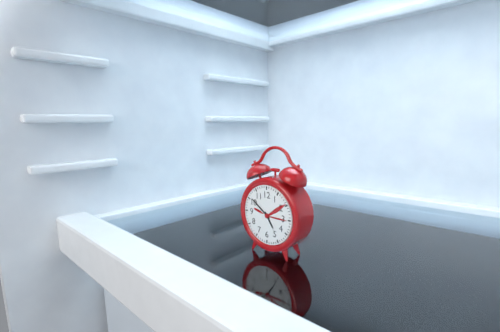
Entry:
h=4 m=51
